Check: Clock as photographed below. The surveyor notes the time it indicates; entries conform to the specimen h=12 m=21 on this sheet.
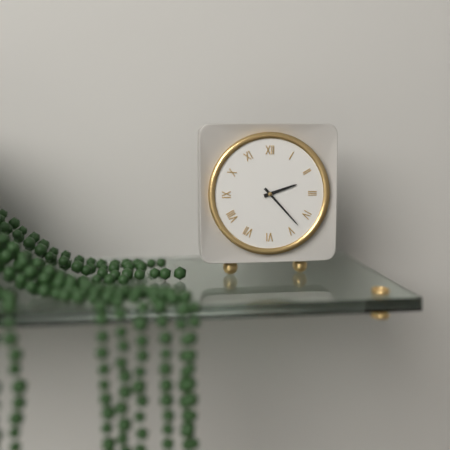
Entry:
h=2 m=23
